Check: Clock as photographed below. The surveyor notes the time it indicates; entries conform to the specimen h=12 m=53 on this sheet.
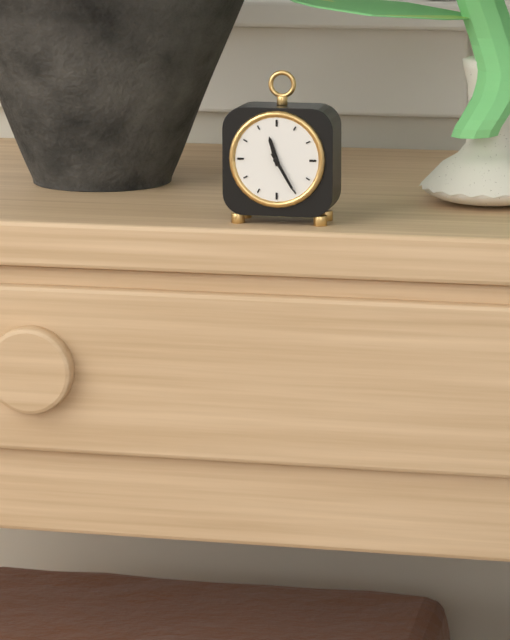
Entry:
h=11 m=25
